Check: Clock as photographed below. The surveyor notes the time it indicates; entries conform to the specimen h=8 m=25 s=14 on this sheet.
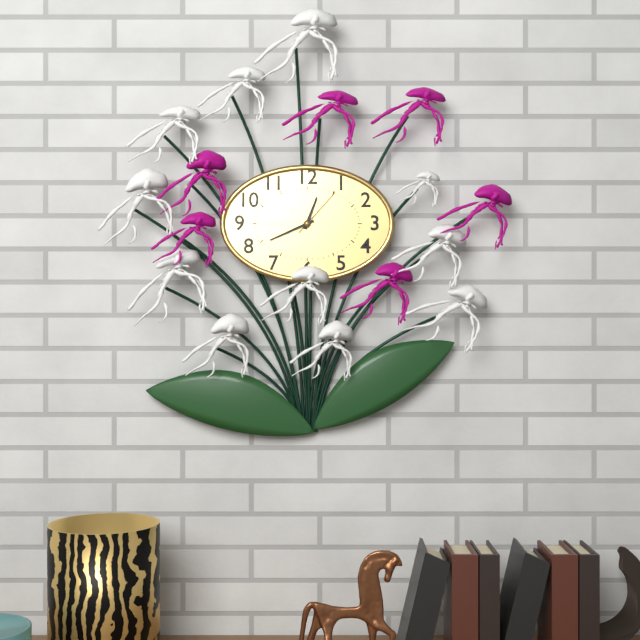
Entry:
h=12 m=41 s=7
